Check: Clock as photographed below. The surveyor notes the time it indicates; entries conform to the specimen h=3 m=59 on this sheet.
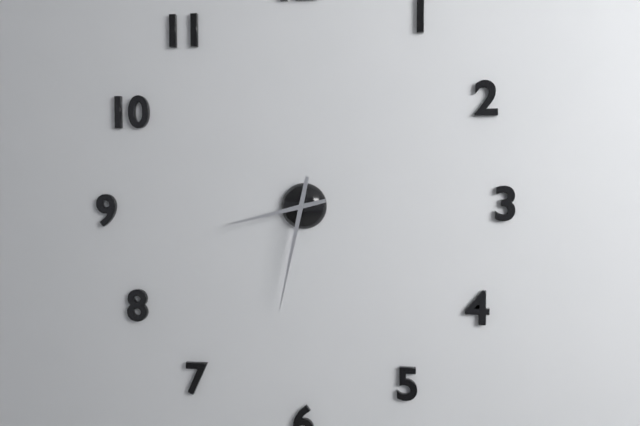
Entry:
h=8 m=32
